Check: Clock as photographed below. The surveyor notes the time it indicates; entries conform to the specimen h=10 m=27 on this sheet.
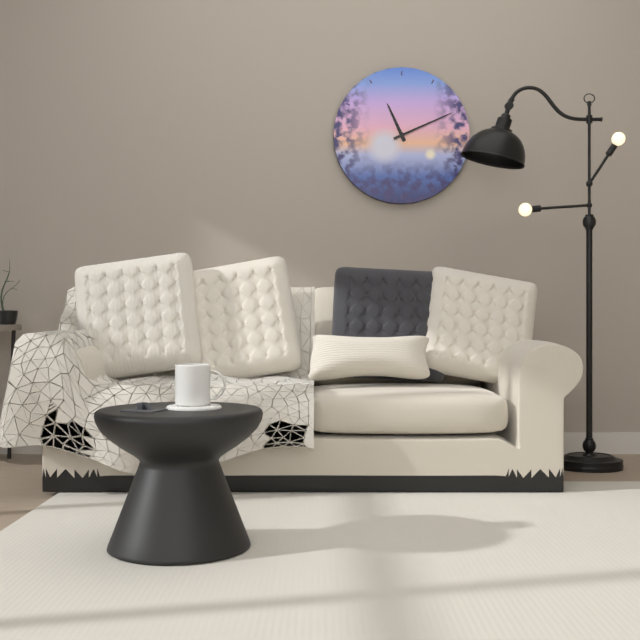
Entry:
h=11 m=11
